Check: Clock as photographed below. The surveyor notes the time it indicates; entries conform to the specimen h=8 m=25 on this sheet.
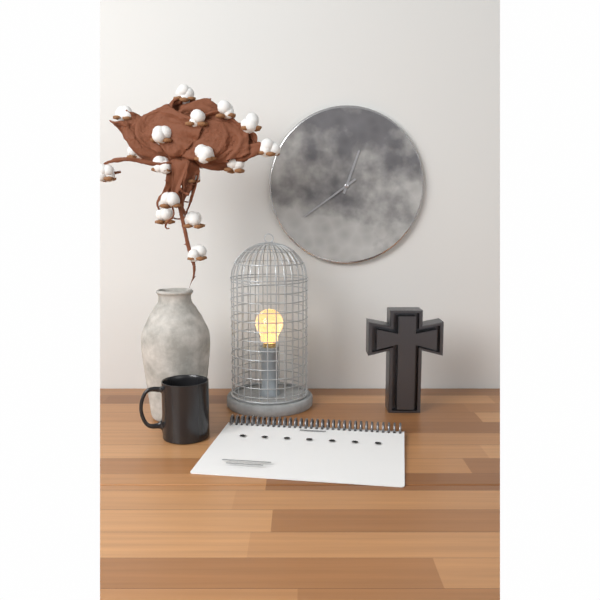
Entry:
h=12 m=39
